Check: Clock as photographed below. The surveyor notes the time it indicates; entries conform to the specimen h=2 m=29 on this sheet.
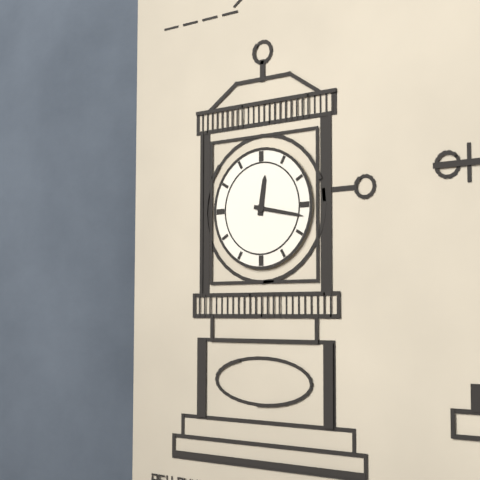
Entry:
h=12 m=17
